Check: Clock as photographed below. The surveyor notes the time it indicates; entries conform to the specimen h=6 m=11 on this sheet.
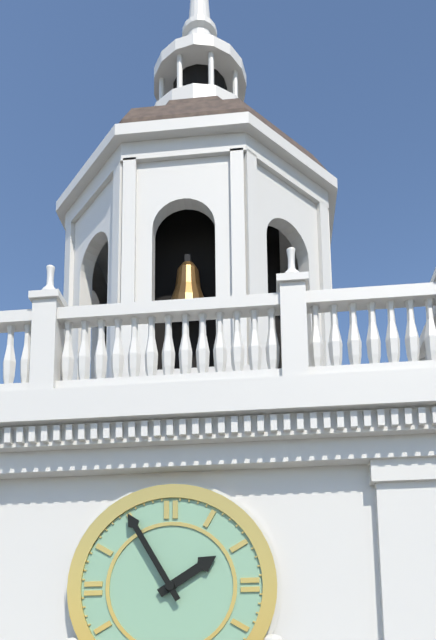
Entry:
h=1 m=55
